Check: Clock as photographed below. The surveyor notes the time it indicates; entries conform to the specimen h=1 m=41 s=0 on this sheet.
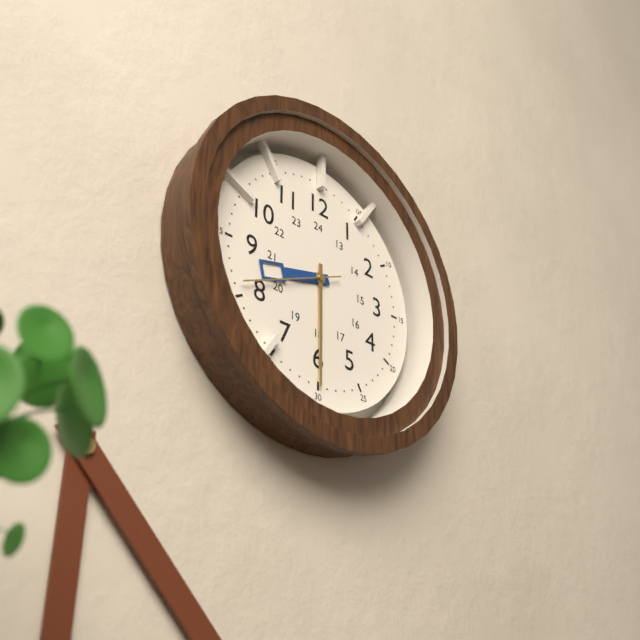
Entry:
h=8 m=30 s=41
